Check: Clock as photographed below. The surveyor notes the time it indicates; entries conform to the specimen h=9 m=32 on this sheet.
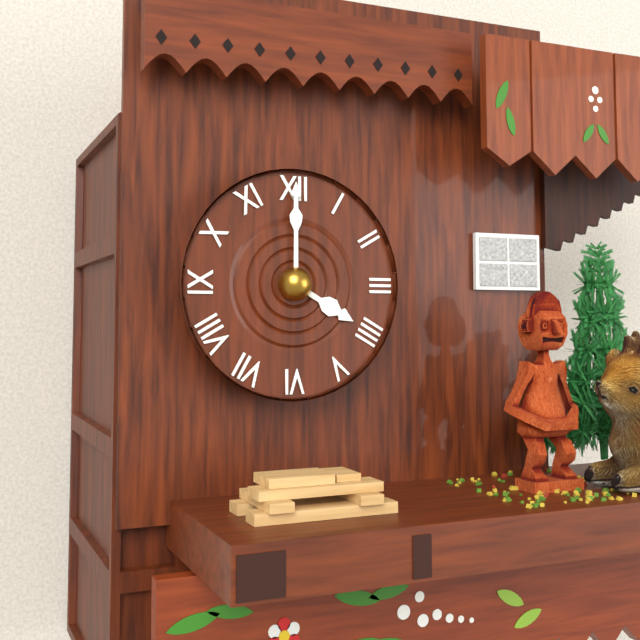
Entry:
h=4 m=0
